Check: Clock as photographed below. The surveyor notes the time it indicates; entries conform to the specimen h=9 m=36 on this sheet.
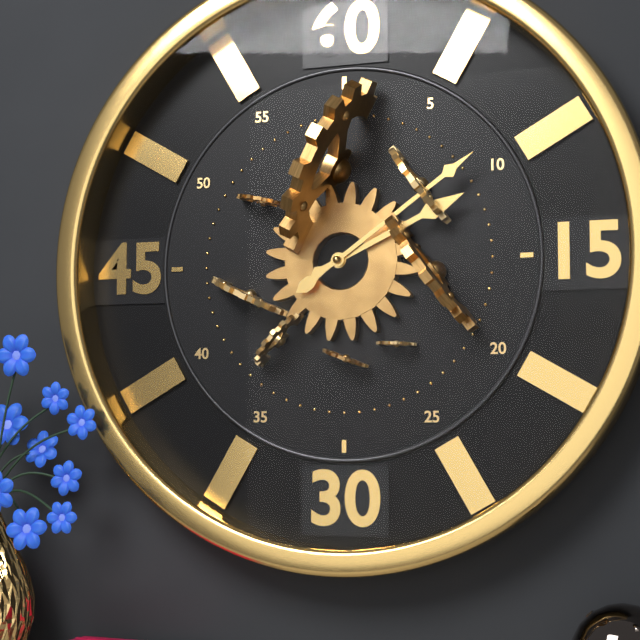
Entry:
h=2 m=9
